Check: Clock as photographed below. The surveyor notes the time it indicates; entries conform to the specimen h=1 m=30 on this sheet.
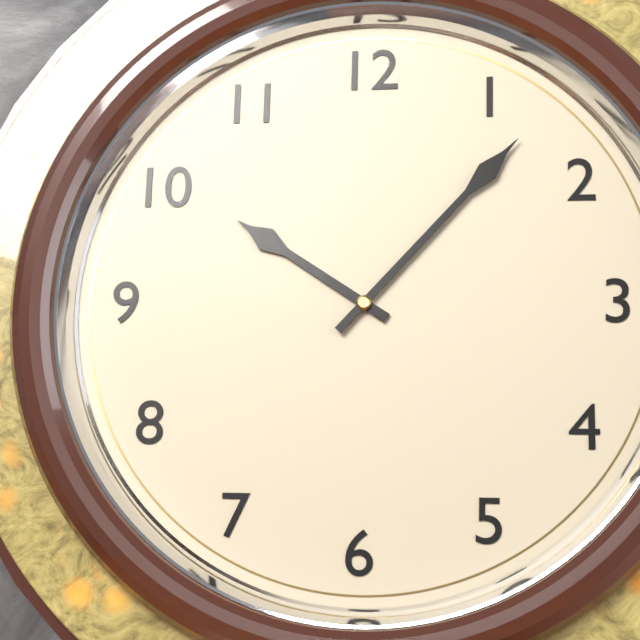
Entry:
h=10 m=7
